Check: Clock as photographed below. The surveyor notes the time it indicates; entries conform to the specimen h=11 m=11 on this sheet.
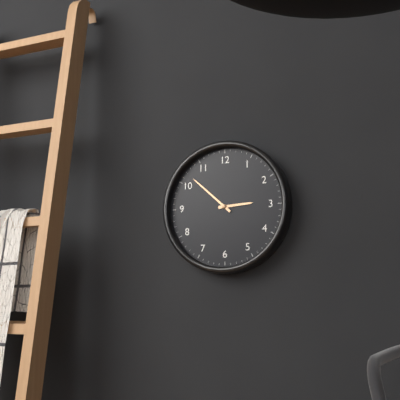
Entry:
h=2 m=52
